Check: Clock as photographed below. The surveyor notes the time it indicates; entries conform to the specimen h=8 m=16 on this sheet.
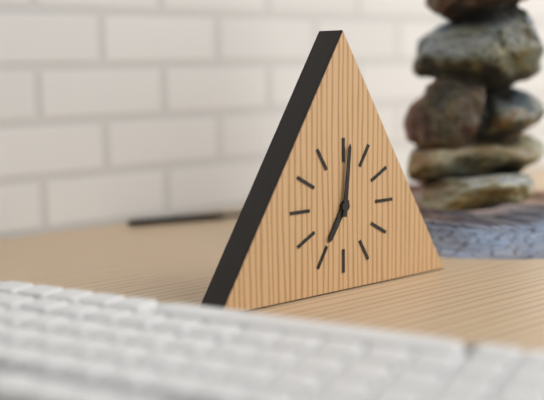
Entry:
h=7 m=1
